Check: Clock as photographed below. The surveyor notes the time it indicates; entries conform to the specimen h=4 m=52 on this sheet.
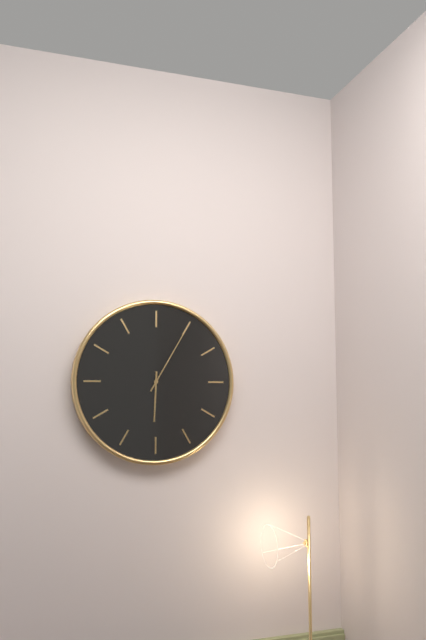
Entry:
h=6 m=5
